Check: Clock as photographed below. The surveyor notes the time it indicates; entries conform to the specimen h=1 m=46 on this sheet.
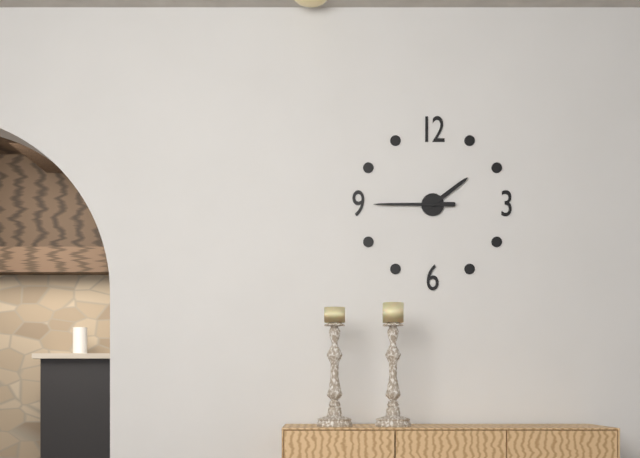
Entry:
h=1 m=45
